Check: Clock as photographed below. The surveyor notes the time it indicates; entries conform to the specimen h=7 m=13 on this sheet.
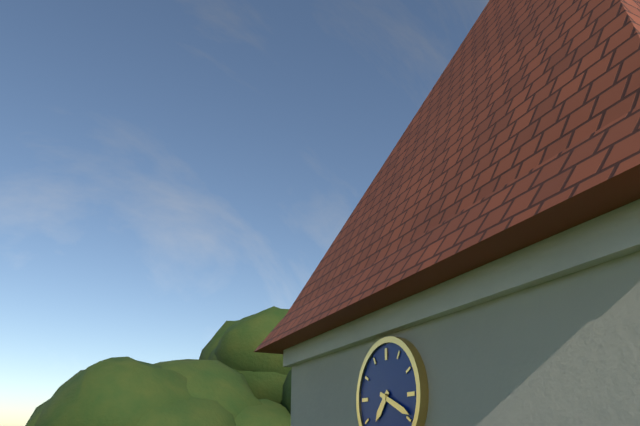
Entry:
h=7 m=19
